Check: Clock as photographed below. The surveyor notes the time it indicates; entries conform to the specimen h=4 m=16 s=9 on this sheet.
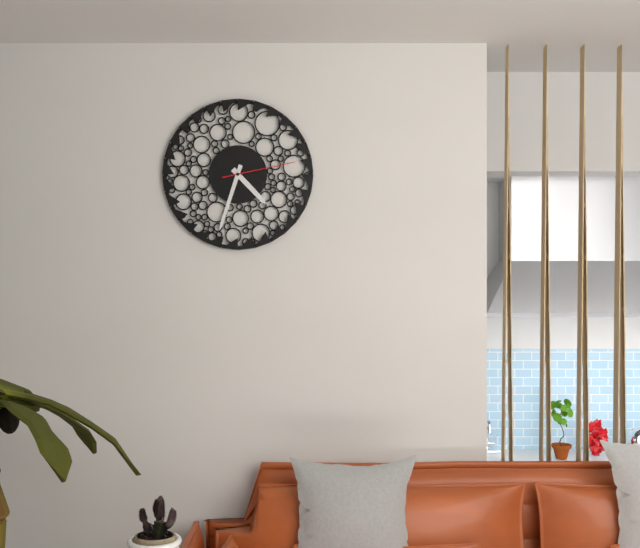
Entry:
h=4 m=33 s=13
